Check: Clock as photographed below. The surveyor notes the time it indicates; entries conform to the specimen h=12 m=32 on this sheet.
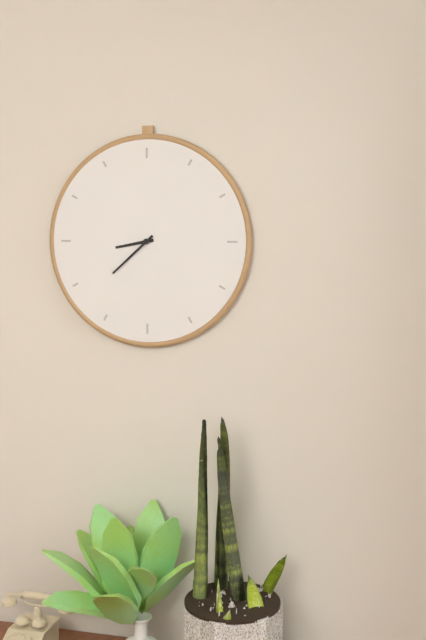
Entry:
h=8 m=38
